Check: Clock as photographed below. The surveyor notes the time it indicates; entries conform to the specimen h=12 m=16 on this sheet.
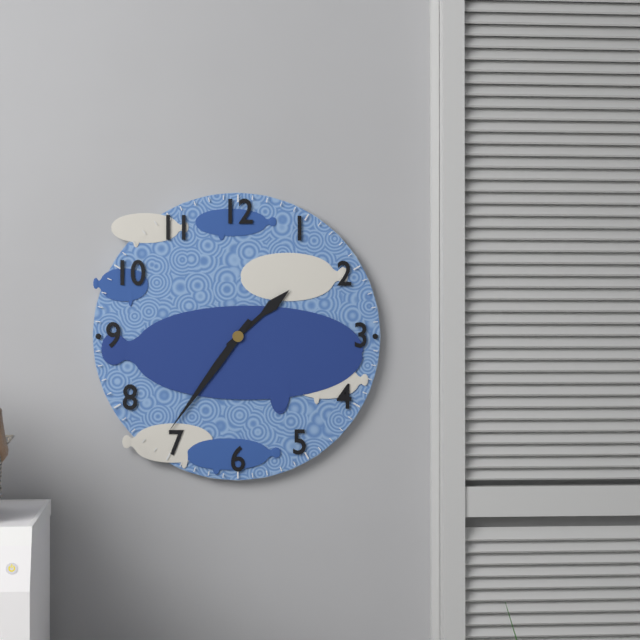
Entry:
h=1 m=36
